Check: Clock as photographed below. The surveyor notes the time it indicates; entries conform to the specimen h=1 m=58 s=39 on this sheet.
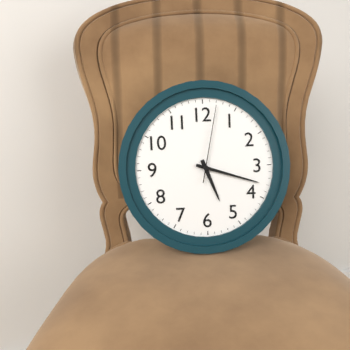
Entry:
h=5 m=18 s=2
